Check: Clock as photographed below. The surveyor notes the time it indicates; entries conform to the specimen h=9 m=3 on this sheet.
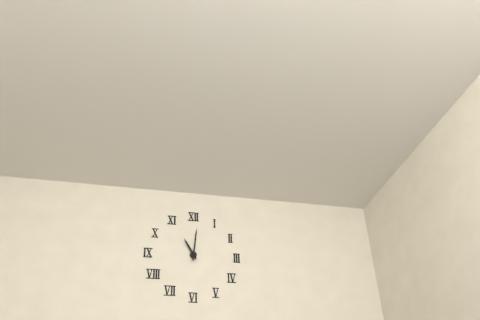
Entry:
h=11 m=1
